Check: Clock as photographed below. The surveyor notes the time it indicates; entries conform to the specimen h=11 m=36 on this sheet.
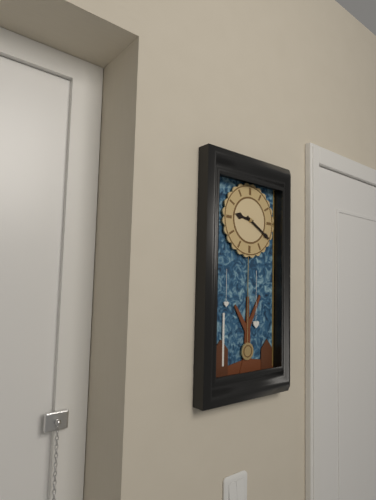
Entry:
h=9 m=20
